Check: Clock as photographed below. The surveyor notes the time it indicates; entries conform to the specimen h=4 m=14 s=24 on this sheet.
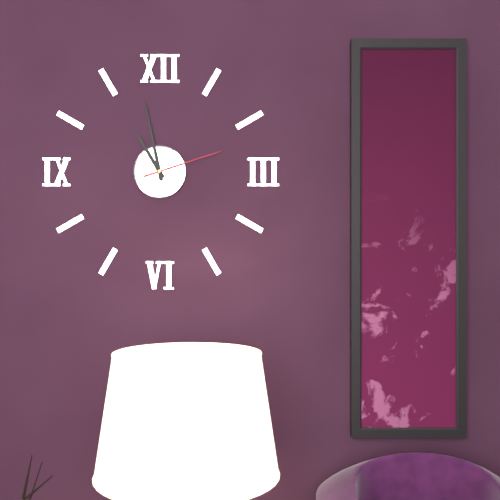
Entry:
h=10 m=58 s=12
